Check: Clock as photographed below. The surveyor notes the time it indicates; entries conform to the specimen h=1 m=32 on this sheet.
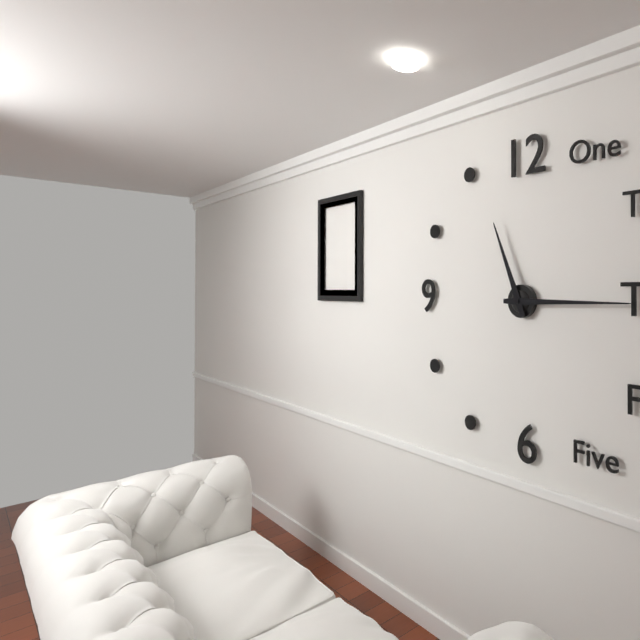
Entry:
h=11 m=15
